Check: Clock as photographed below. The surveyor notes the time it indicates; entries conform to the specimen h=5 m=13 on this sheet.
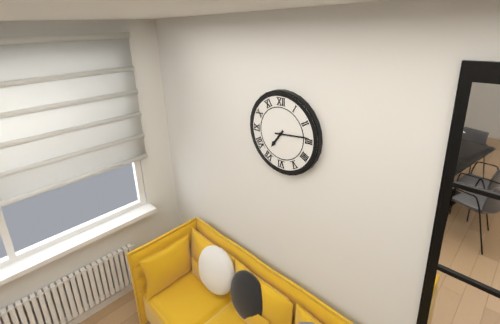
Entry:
h=7 m=14
